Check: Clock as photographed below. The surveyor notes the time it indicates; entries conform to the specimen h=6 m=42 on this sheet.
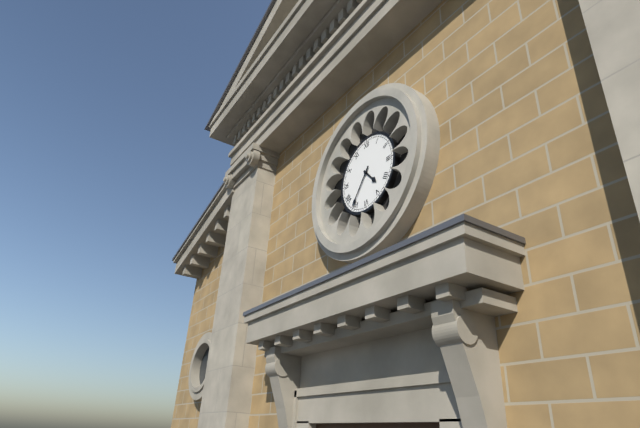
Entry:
h=4 m=36
